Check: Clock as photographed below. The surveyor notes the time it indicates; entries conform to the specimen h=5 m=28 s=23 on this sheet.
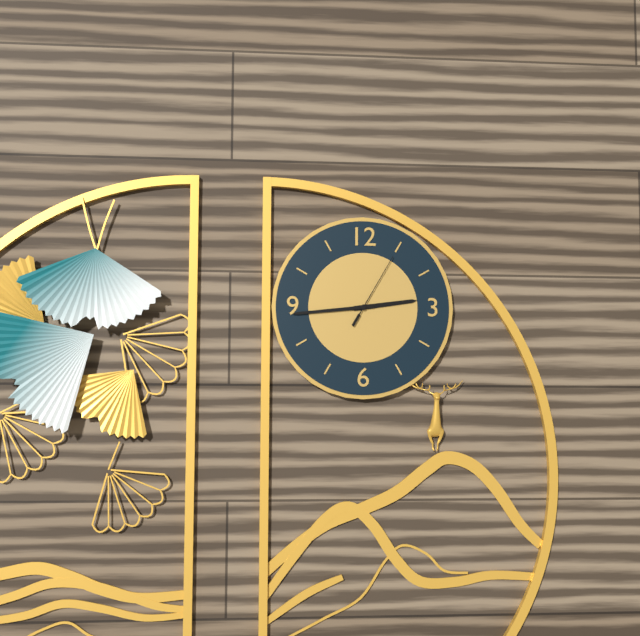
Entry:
h=2 m=44 s=5
